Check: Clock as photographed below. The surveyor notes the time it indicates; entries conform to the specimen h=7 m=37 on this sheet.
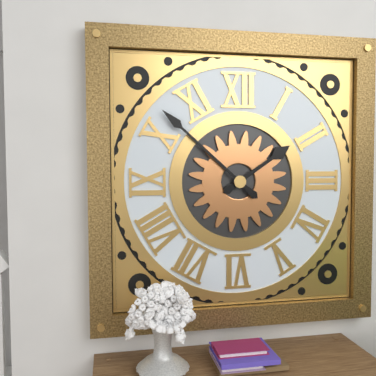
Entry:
h=1 m=52
